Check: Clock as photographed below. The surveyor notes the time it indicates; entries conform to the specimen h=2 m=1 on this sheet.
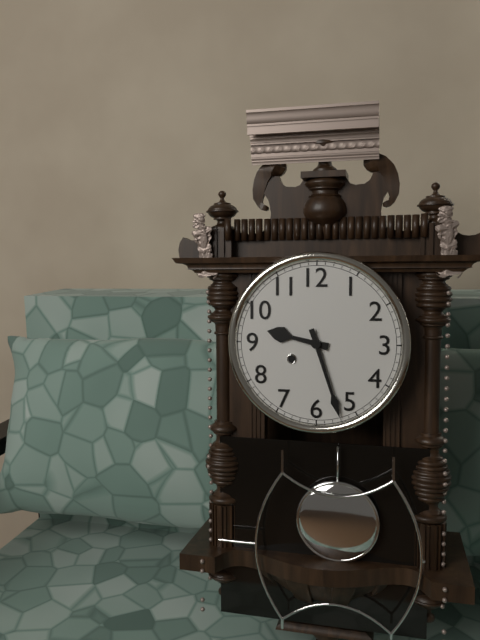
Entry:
h=9 m=27
